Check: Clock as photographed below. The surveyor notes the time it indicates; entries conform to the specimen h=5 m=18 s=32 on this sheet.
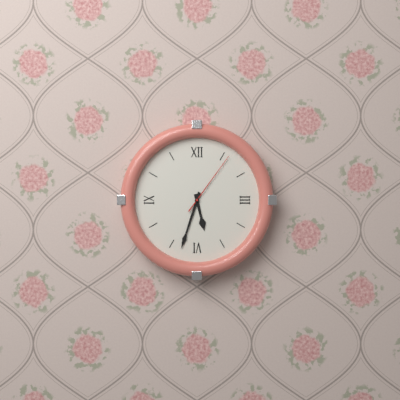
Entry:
h=5 m=33 s=6
